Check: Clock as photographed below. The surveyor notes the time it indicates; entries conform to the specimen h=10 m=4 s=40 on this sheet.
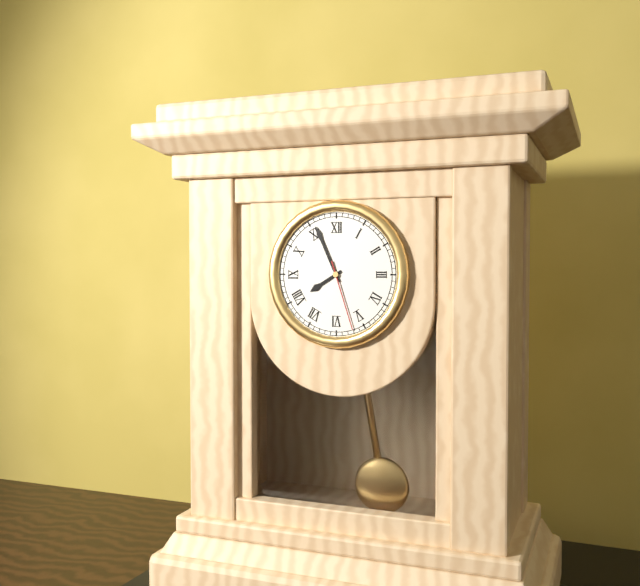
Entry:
h=7 m=56 s=27
